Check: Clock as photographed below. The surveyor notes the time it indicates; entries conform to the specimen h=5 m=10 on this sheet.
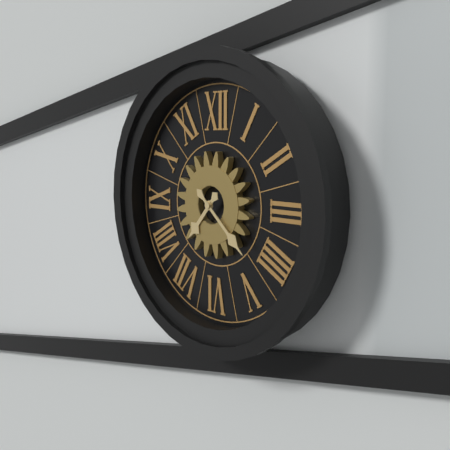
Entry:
h=7 m=22
